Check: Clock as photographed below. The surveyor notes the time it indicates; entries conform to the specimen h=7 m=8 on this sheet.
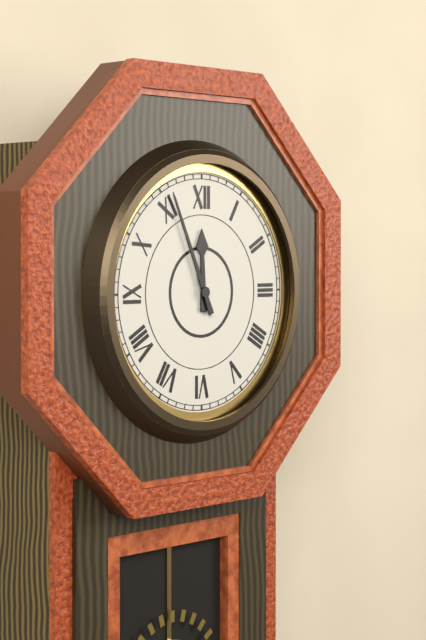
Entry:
h=11 m=56
